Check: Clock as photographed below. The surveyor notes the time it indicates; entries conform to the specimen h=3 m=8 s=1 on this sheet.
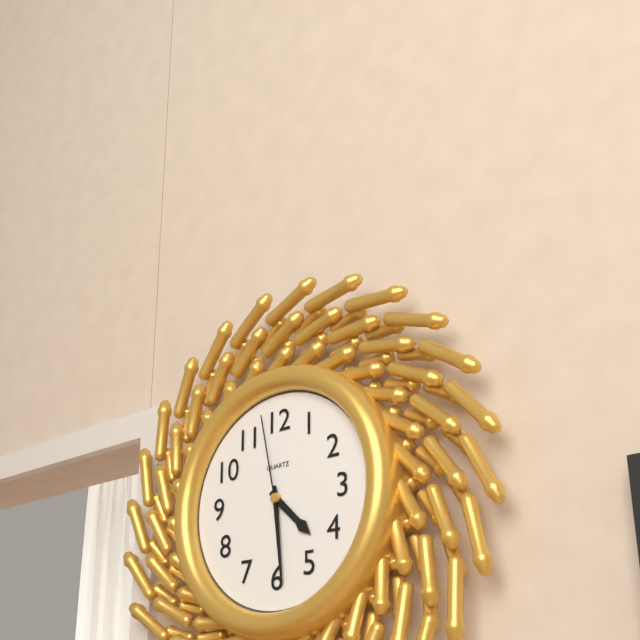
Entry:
h=4 m=29 s=58
